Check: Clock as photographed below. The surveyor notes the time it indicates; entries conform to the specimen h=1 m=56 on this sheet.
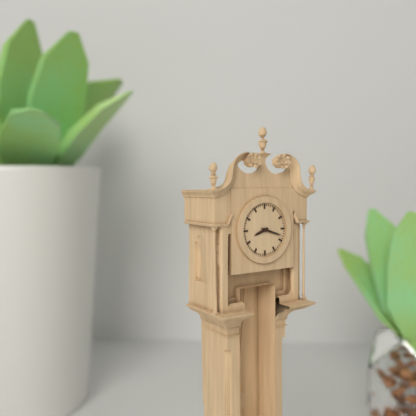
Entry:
h=8 m=18
